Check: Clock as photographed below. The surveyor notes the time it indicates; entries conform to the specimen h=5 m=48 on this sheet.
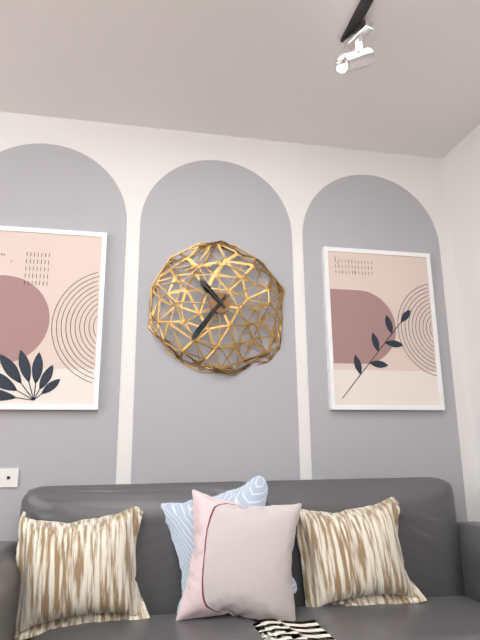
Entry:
h=10 m=36
